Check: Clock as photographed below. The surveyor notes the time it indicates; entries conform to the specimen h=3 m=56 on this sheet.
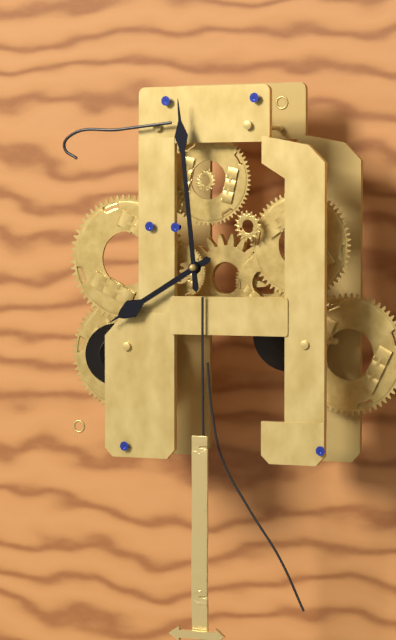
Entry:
h=7 m=59
